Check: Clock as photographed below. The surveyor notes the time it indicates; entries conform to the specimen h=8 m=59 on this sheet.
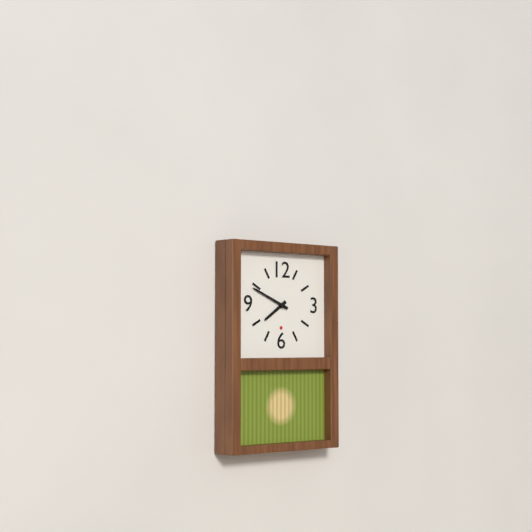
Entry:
h=7 m=49
